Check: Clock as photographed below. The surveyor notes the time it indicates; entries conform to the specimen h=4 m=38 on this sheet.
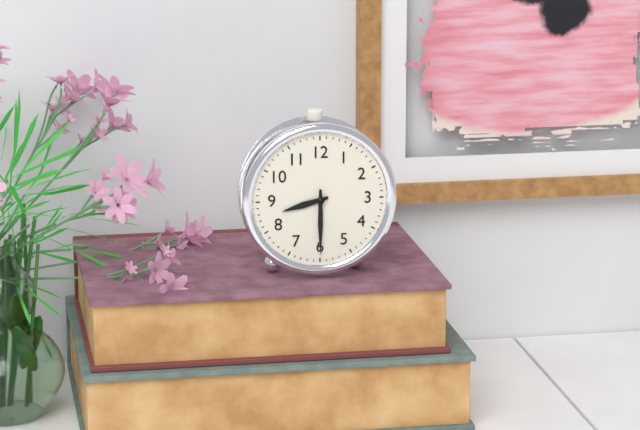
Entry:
h=8 m=30
